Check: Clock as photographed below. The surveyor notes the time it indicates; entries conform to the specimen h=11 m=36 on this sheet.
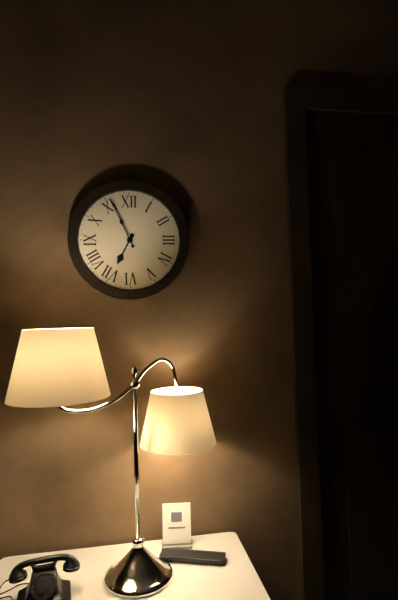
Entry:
h=6 m=56
